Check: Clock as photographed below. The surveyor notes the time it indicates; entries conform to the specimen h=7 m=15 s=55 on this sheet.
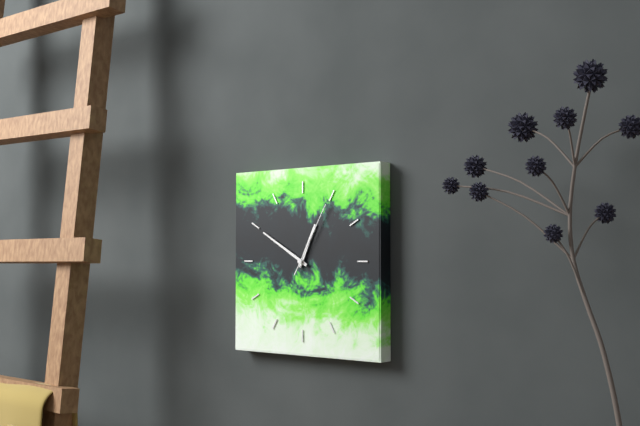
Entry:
h=12 m=50 s=5
